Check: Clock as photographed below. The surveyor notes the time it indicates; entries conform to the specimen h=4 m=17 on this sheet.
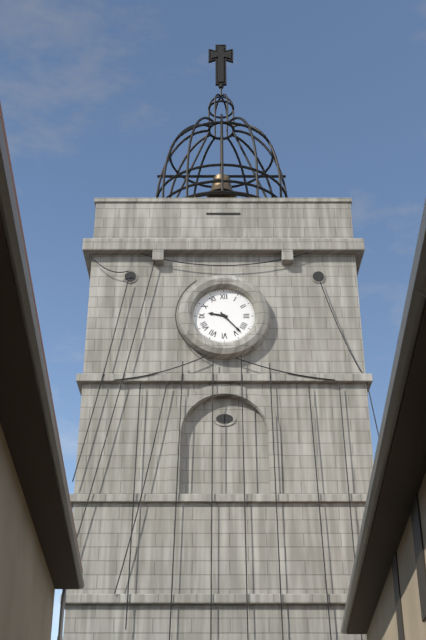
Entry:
h=9 m=23
